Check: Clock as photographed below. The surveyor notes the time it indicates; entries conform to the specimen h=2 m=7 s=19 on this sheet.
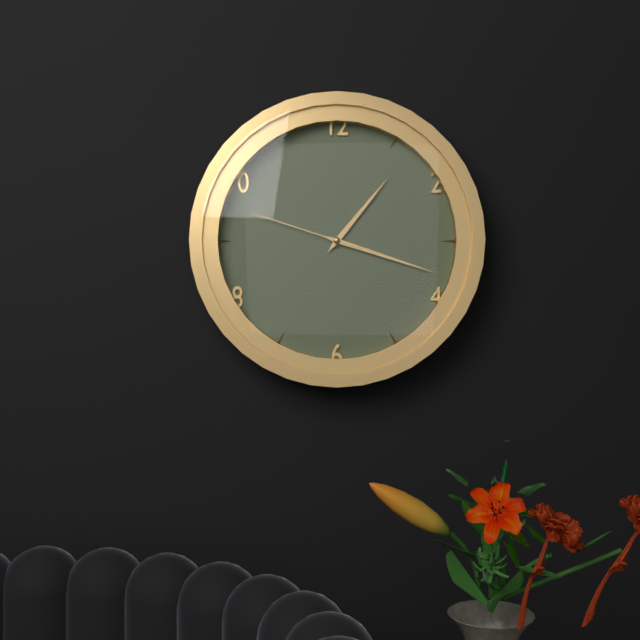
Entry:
h=1 m=18 s=48
